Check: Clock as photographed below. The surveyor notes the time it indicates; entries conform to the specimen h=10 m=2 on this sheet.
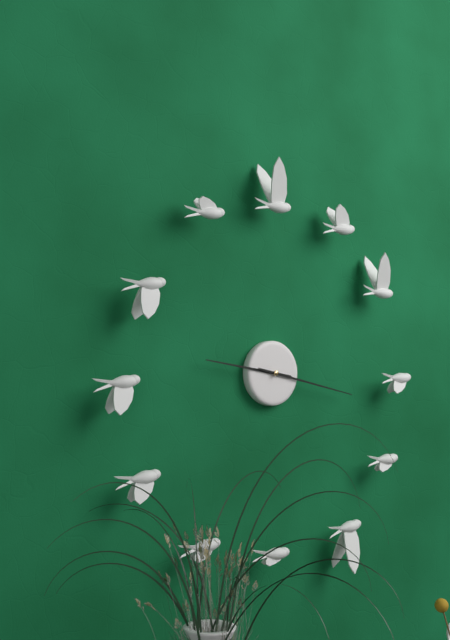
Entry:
h=9 m=17
